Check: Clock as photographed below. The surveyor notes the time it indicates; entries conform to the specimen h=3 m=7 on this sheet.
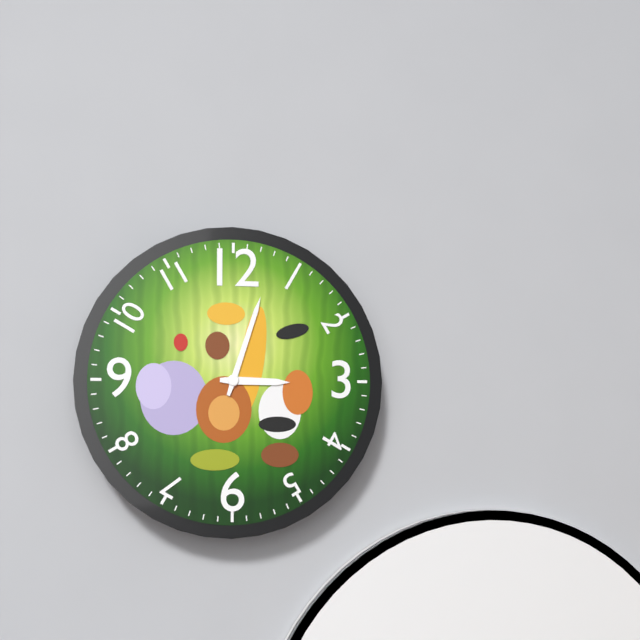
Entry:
h=3 m=3
